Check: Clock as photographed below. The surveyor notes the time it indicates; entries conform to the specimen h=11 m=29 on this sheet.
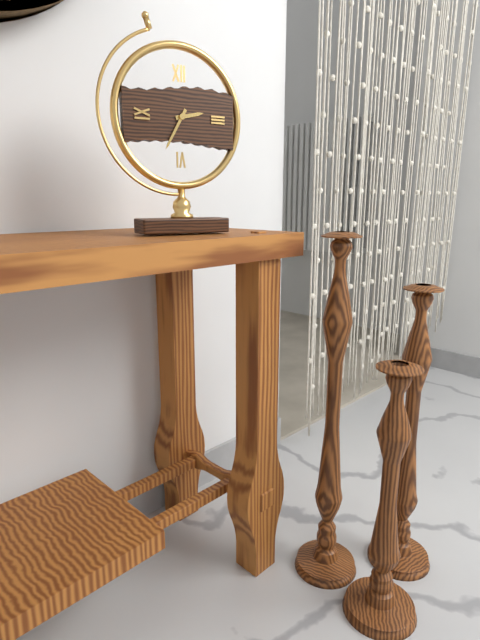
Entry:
h=2 m=35
